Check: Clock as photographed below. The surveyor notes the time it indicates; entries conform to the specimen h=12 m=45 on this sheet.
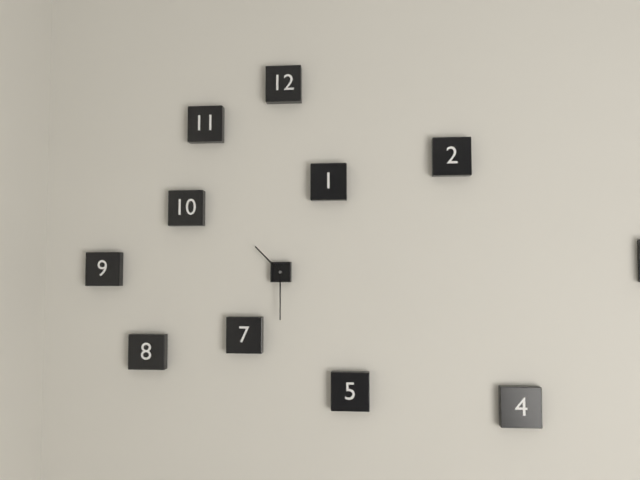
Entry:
h=10 m=30
